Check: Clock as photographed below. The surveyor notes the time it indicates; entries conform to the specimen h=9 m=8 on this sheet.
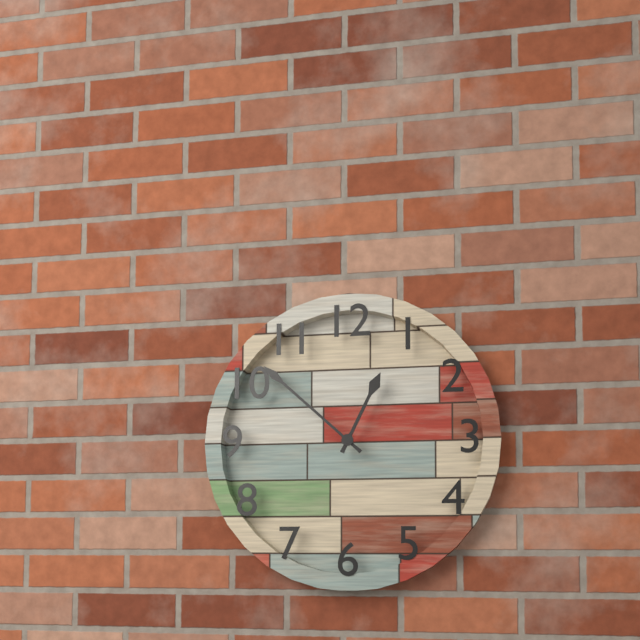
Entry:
h=12 m=52
